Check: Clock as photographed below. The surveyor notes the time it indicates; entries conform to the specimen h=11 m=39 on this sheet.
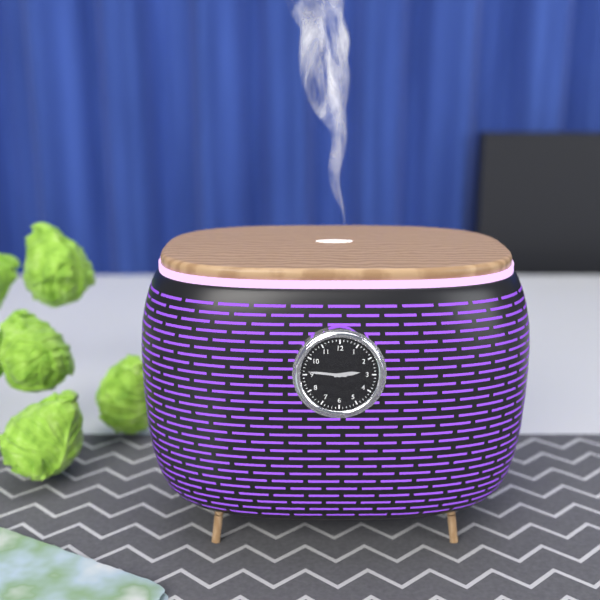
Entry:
h=2 m=46
